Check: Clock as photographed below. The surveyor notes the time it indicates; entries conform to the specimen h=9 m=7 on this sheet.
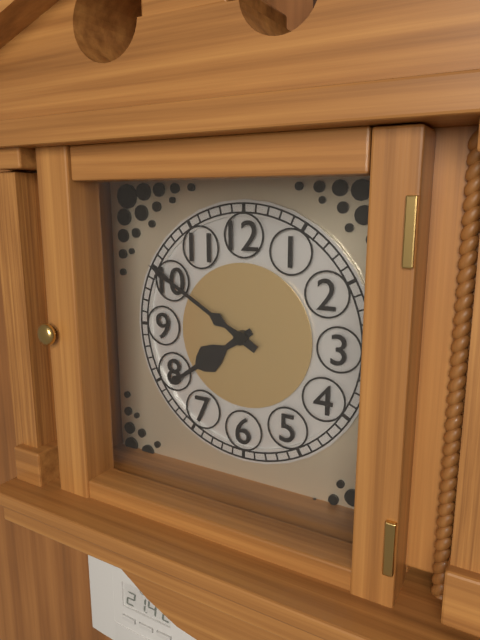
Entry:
h=7 m=50
